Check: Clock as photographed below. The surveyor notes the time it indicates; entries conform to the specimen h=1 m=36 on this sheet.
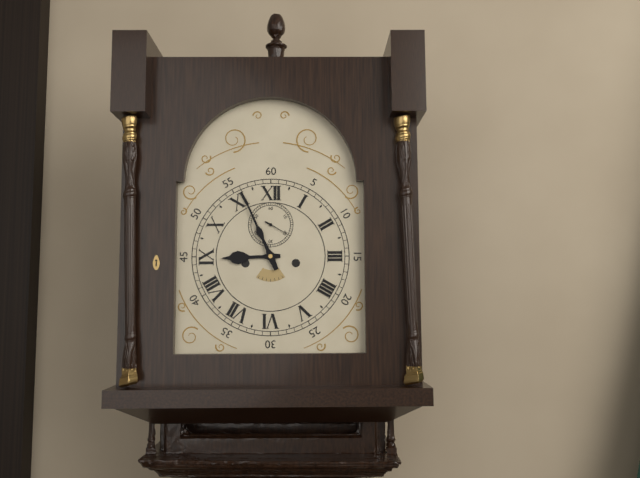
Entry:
h=8 m=56
